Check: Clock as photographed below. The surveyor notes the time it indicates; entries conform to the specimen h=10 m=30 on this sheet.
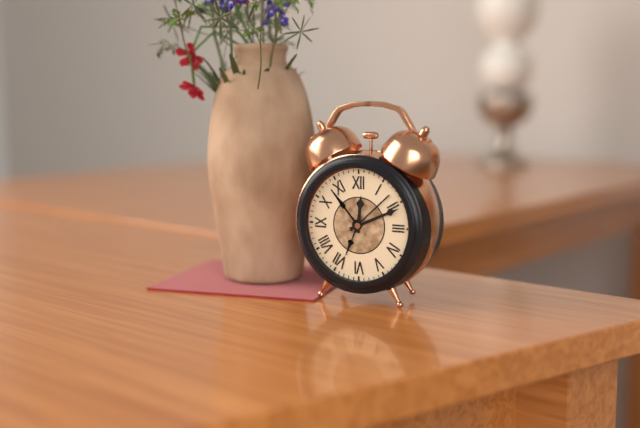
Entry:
h=12 m=11
